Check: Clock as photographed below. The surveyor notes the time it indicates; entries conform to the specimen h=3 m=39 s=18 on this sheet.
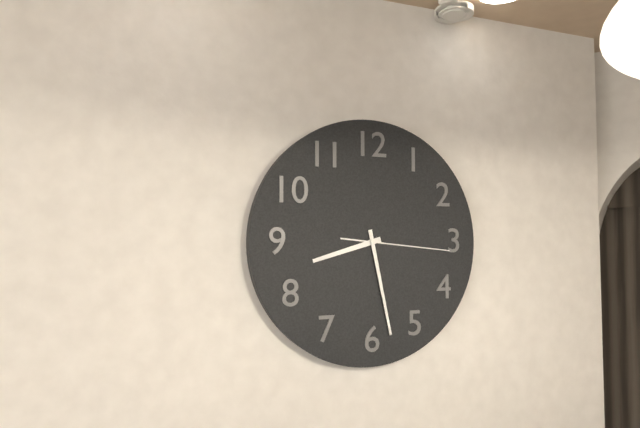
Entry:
h=8 m=28 s=16
